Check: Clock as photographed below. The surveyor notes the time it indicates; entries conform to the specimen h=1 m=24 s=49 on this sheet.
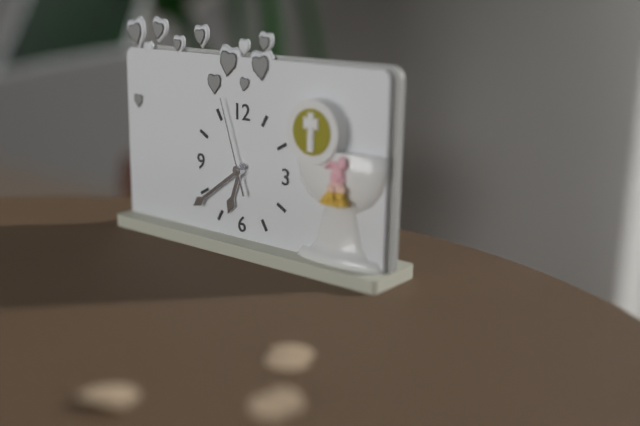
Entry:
h=6 m=39 s=57
